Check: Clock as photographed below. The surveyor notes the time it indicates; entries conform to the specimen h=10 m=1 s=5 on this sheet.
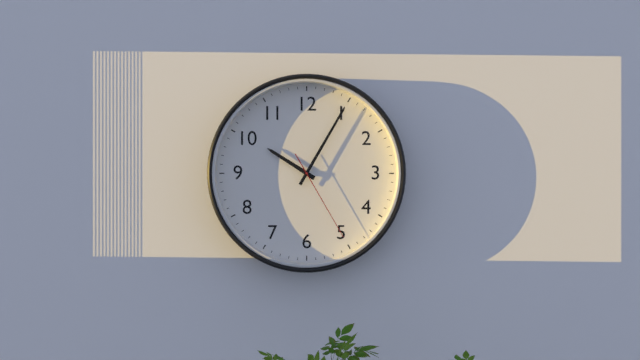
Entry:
h=10 m=5 s=25
